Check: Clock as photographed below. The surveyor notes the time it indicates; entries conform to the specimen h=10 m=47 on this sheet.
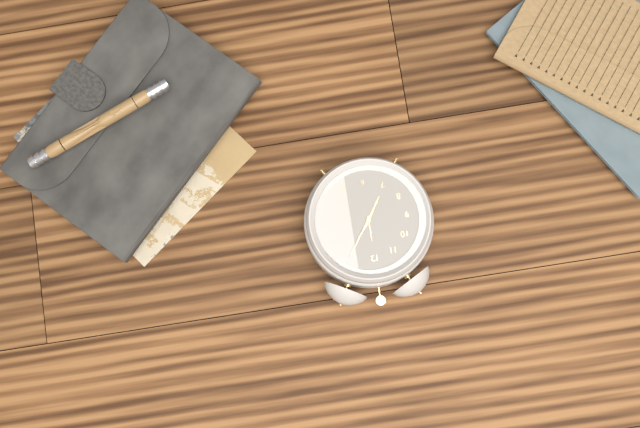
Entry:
h=7 m=6
